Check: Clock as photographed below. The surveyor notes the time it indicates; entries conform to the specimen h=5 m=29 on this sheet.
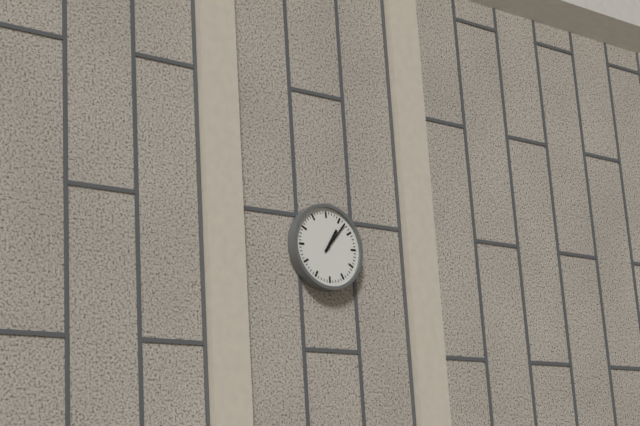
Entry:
h=1 m=7
